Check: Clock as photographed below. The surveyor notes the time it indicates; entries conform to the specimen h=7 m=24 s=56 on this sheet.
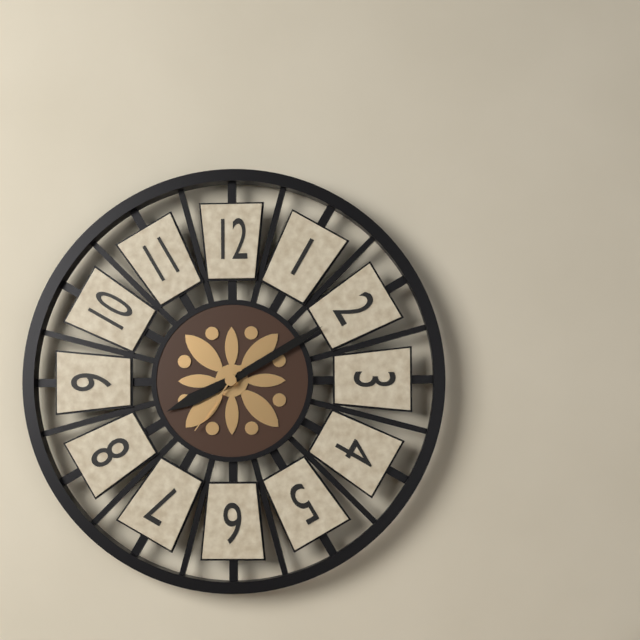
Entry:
h=8 m=10 s=36
